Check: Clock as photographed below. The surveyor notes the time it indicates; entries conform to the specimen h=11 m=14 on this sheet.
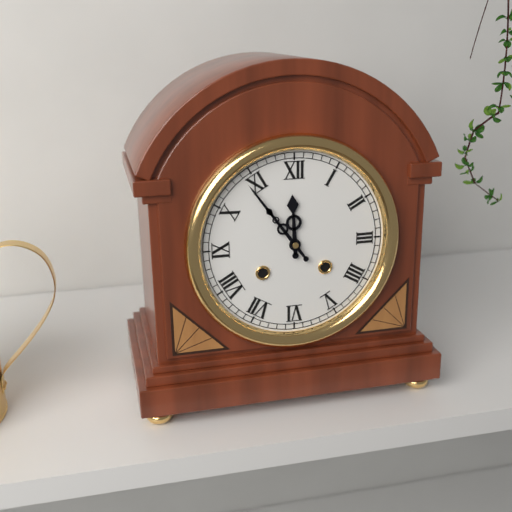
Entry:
h=11 m=54
